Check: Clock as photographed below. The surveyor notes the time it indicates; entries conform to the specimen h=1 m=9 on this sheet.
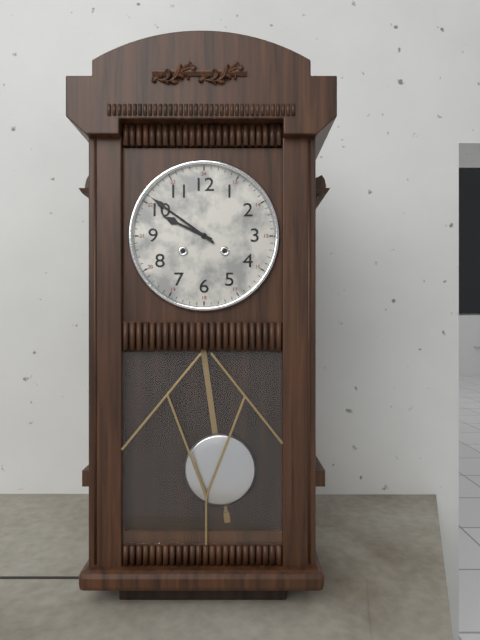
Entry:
h=9 m=51
